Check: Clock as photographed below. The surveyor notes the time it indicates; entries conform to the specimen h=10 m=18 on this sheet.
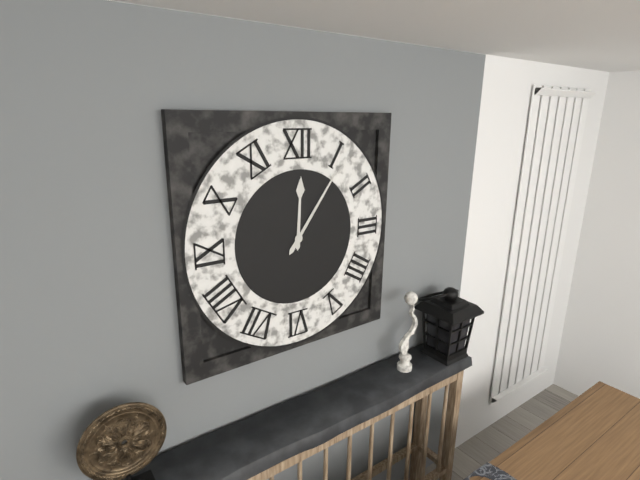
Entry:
h=12 m=6
